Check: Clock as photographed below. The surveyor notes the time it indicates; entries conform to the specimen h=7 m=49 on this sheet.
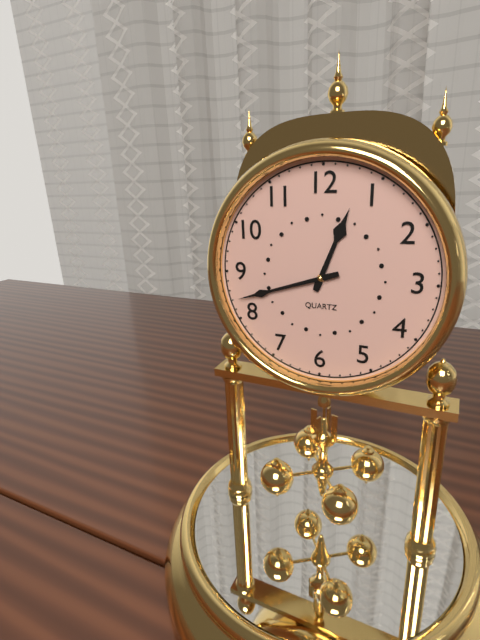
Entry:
h=12 m=42
